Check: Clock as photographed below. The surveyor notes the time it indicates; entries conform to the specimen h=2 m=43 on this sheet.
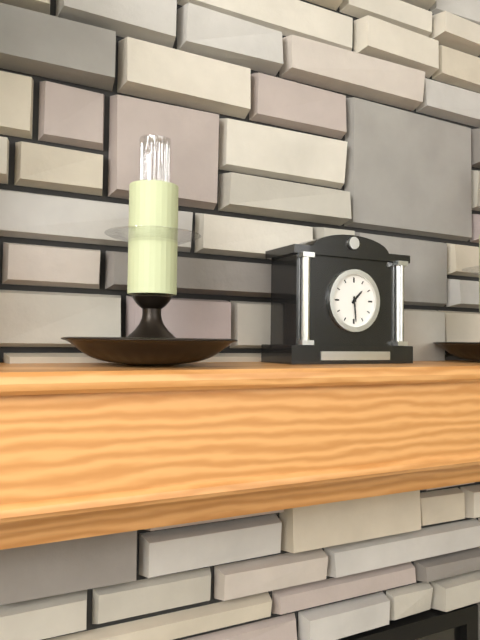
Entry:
h=1 m=29
